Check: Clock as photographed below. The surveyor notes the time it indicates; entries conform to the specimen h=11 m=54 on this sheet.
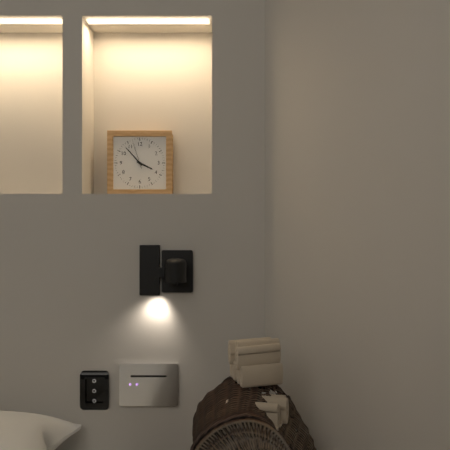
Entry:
h=3 m=53
